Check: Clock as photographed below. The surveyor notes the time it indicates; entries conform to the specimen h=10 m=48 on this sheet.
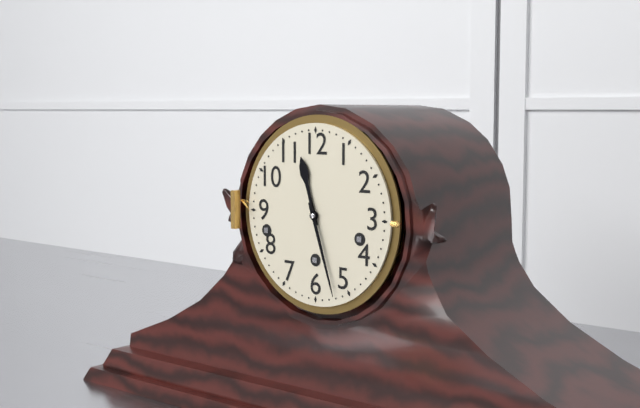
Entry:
h=11 m=27
